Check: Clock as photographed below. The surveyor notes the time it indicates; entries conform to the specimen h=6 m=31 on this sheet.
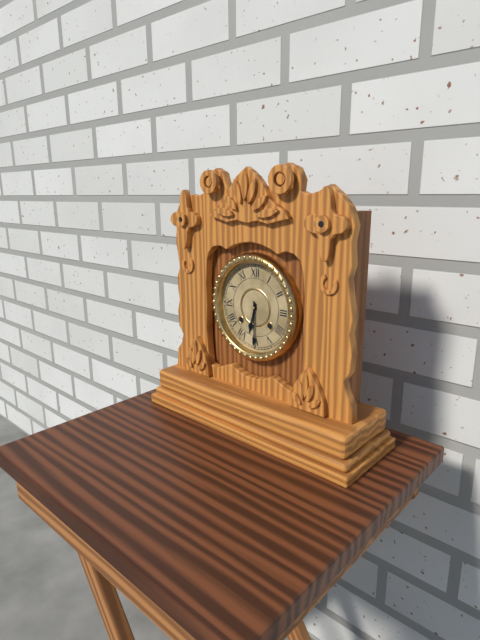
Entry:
h=6 m=30
